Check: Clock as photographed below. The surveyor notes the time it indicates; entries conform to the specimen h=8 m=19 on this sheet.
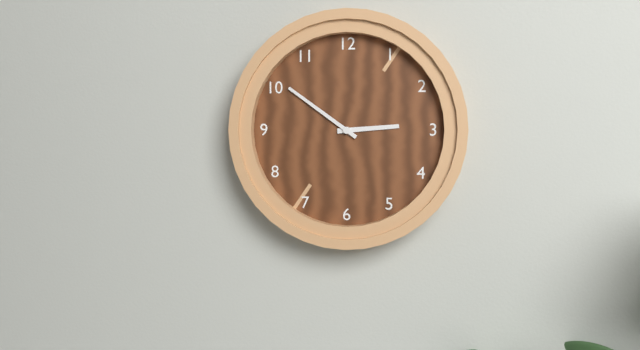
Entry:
h=2 m=51
